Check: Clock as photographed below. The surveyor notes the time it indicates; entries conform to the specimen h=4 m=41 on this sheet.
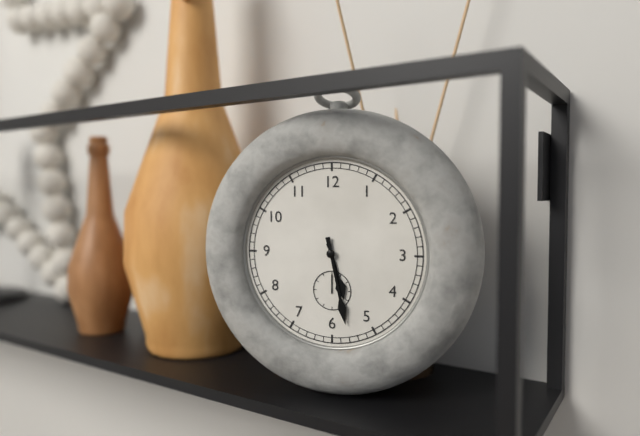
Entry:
h=5 m=28
